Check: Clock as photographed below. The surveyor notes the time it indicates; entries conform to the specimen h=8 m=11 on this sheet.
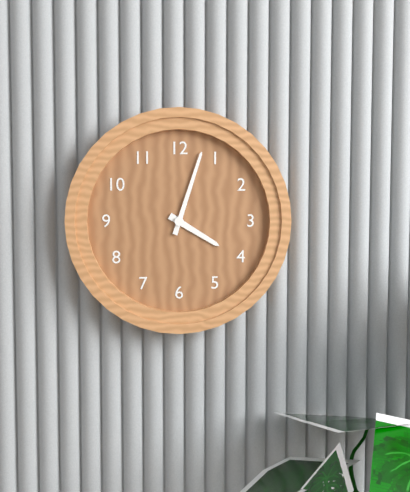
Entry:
h=4 m=3
